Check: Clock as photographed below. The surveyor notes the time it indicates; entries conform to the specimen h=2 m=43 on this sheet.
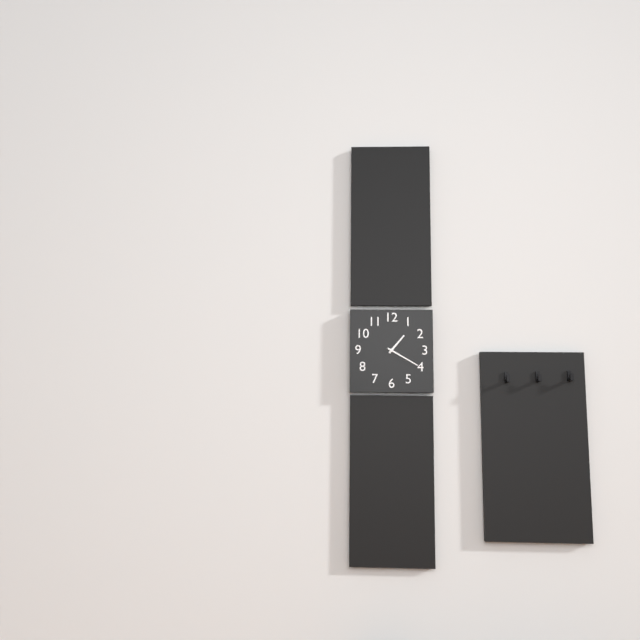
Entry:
h=1 m=20
